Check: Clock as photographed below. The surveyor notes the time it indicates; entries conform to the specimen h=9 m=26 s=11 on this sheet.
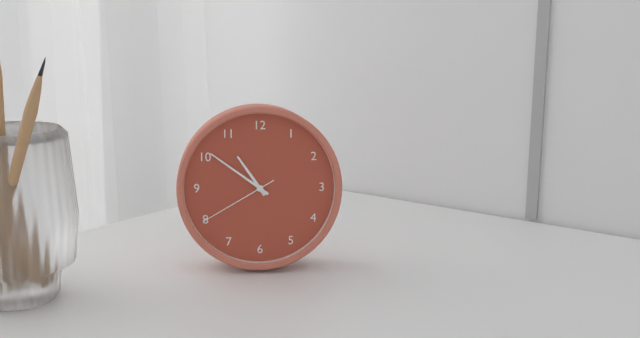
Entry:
h=10 m=51 s=40
